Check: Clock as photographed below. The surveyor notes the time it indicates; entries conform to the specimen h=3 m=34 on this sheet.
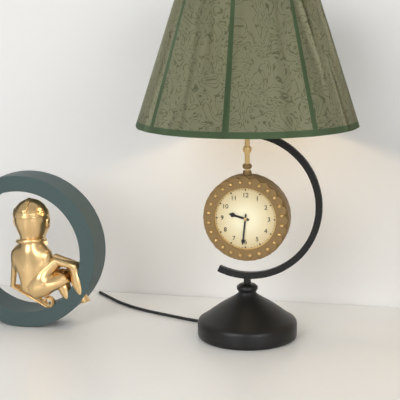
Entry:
h=9 m=31
